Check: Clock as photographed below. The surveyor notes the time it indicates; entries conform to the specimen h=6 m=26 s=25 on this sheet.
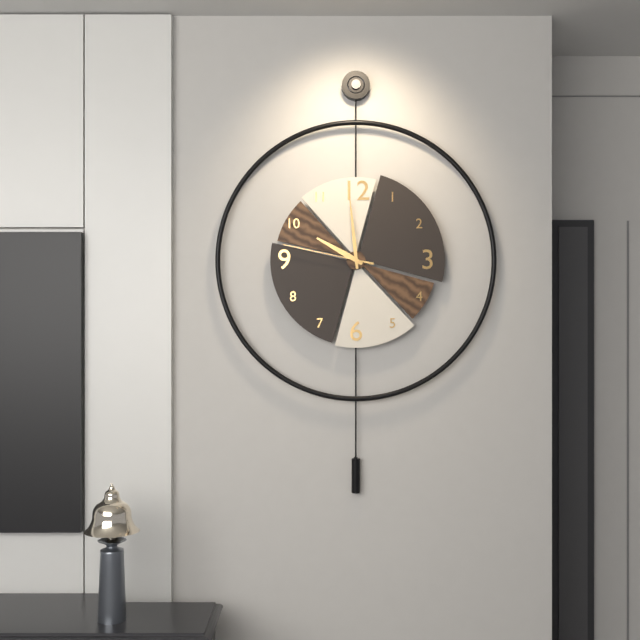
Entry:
h=9 m=59 s=47
